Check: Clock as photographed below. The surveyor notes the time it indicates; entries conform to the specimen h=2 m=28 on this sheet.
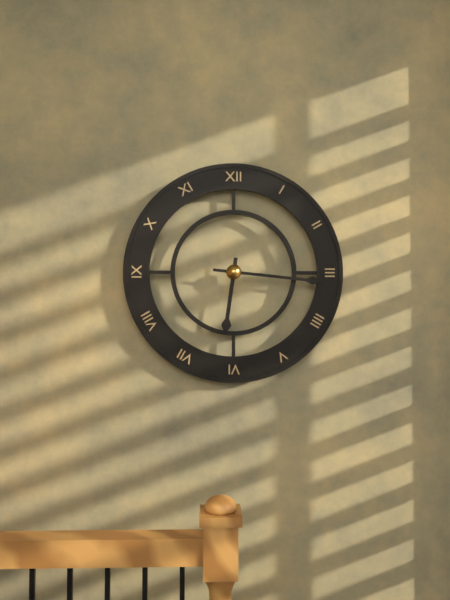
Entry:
h=6 m=16
